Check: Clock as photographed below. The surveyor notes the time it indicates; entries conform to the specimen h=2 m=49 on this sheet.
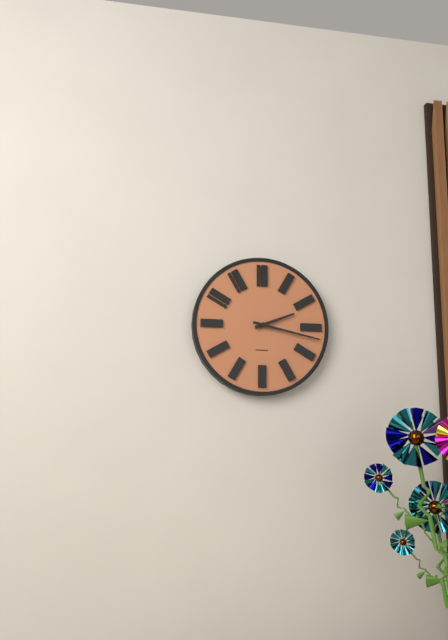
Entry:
h=2 m=17
